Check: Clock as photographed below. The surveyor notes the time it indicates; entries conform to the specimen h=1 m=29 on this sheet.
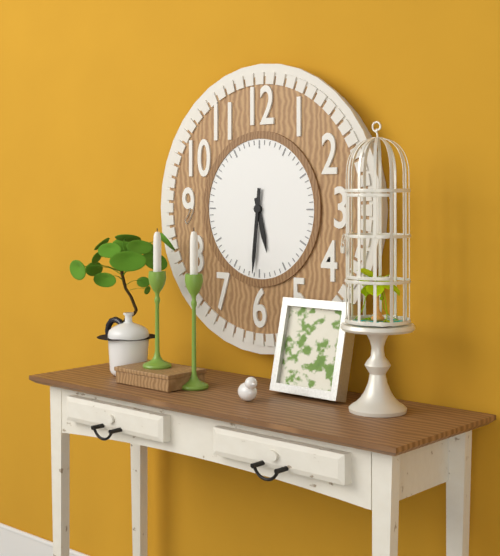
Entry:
h=5 m=31
